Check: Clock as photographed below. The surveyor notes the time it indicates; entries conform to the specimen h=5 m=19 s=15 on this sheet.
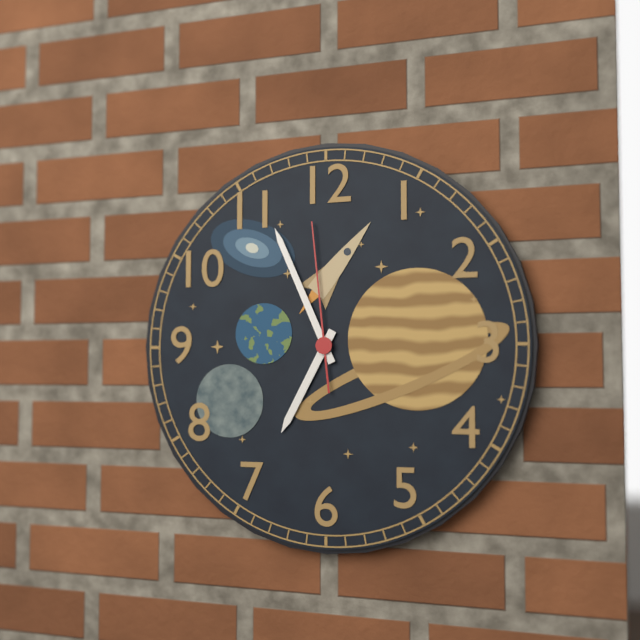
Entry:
h=6 m=56 s=59
